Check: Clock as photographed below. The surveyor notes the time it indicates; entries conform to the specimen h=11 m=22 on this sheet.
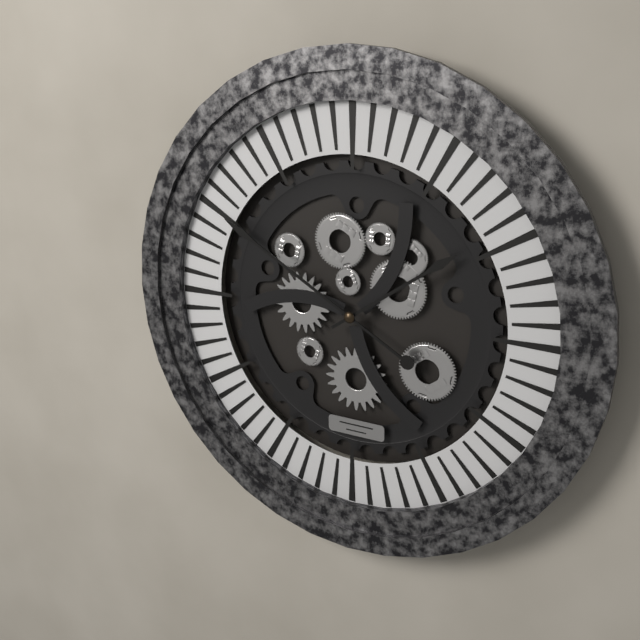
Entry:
h=1 m=50
